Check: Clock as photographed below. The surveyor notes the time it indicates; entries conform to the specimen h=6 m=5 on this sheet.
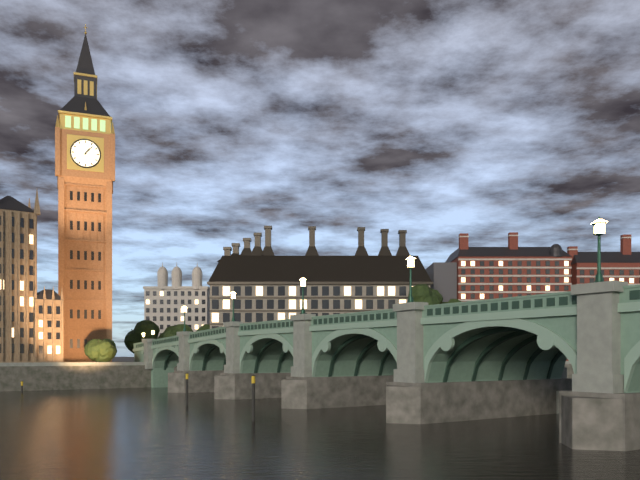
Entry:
h=1 m=7
